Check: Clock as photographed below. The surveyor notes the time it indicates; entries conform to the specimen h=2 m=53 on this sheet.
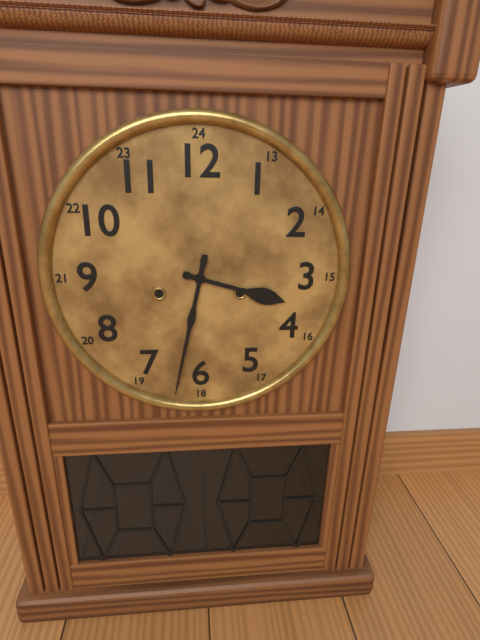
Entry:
h=3 m=32
